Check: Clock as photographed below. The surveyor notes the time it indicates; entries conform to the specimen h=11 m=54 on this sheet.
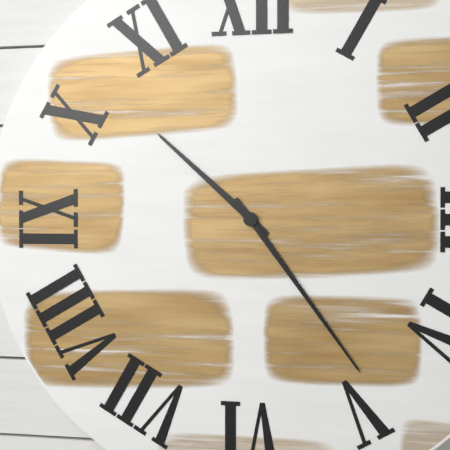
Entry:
h=10 m=24
